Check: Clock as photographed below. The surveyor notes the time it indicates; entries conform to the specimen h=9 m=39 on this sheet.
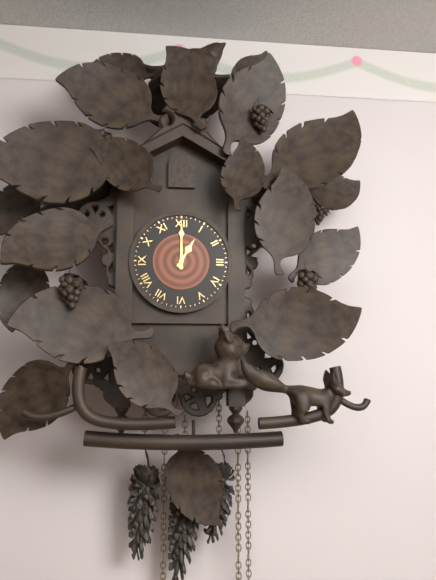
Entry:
h=1 m=0
